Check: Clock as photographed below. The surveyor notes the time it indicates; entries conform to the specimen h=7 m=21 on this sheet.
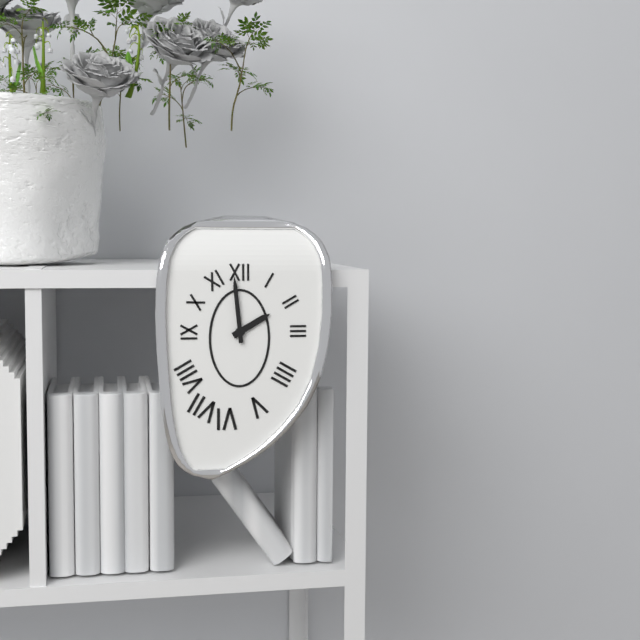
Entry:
h=1 m=59
